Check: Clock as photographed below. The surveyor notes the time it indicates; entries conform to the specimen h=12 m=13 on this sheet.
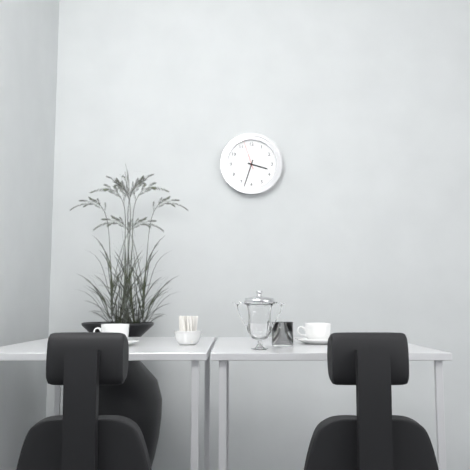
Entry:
h=3 m=33
